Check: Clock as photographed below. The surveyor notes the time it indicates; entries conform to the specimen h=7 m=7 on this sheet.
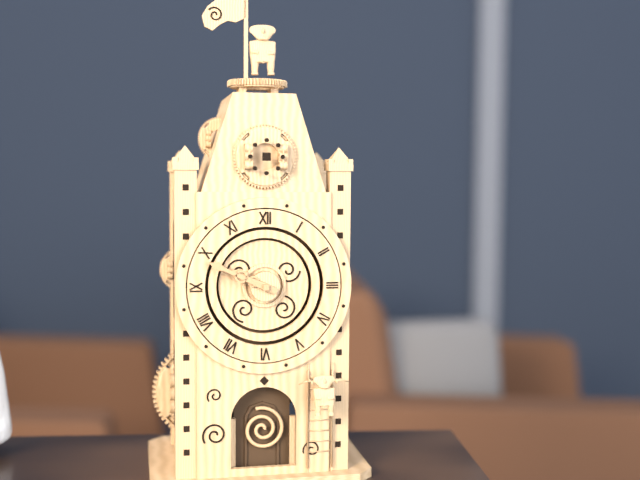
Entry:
h=9 m=49
